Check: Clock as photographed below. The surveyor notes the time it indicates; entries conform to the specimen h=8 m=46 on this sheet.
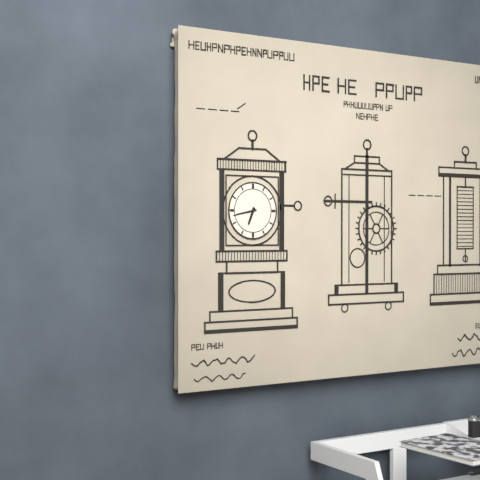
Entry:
h=6 m=43
